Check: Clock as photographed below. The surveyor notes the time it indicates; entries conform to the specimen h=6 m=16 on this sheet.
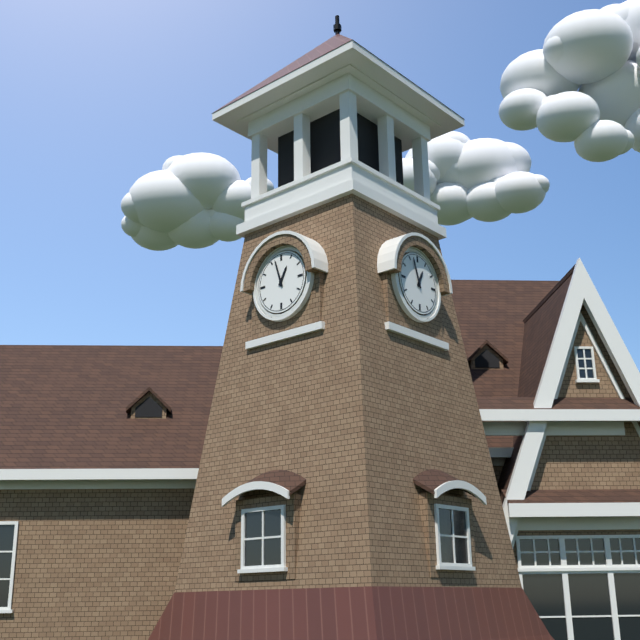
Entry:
h=12 m=57
